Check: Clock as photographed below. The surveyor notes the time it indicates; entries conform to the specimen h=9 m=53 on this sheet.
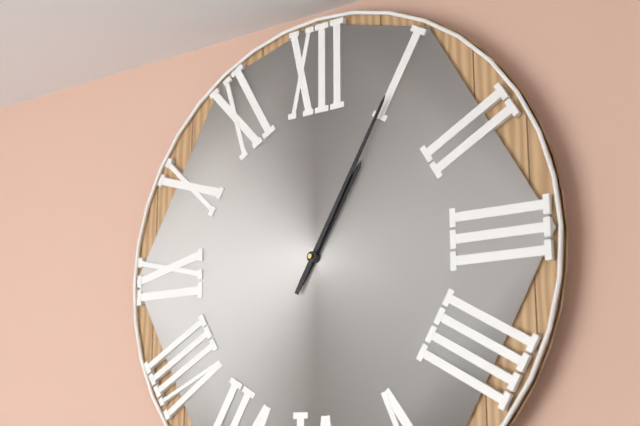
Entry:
h=1 m=5
